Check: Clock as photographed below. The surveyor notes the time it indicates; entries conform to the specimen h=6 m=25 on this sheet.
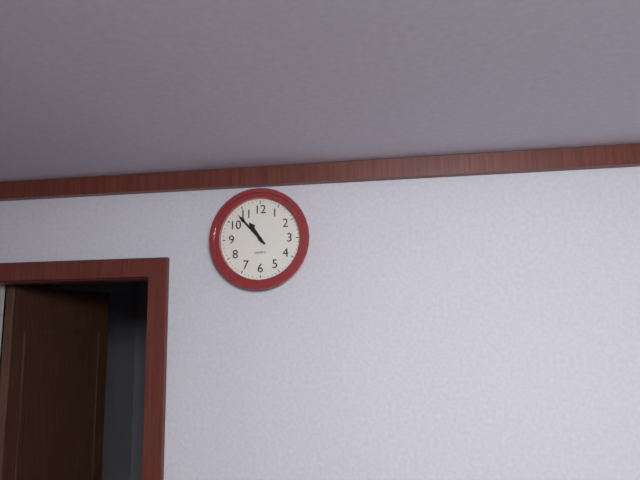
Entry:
h=10 m=53
